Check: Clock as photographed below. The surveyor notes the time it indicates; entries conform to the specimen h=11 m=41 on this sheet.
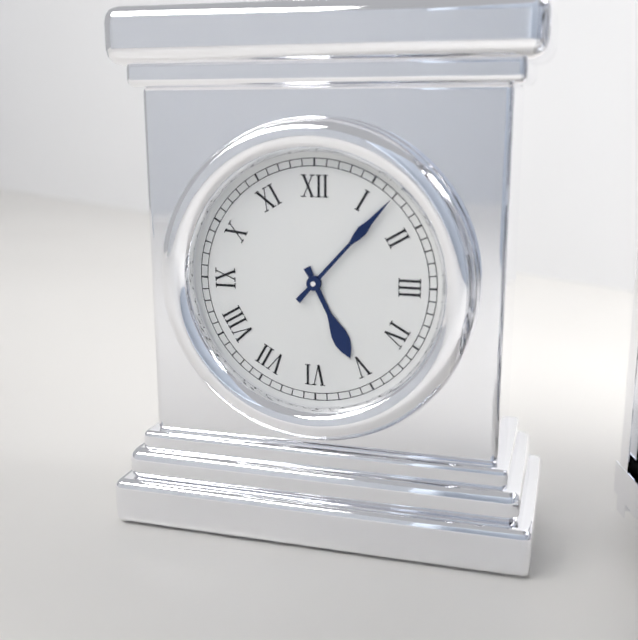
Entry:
h=5 m=7
